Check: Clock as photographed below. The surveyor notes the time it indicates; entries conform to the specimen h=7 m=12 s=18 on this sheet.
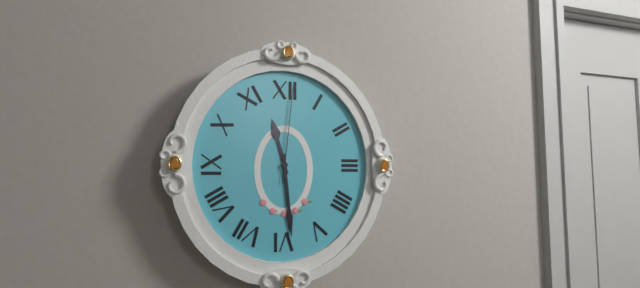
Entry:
h=11 m=29 s=1
